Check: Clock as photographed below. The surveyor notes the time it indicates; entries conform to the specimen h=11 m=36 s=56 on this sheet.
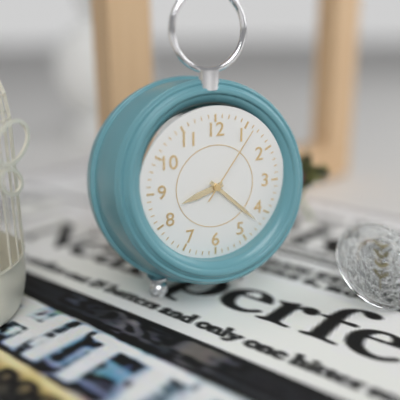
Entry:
h=8 m=22 s=6
